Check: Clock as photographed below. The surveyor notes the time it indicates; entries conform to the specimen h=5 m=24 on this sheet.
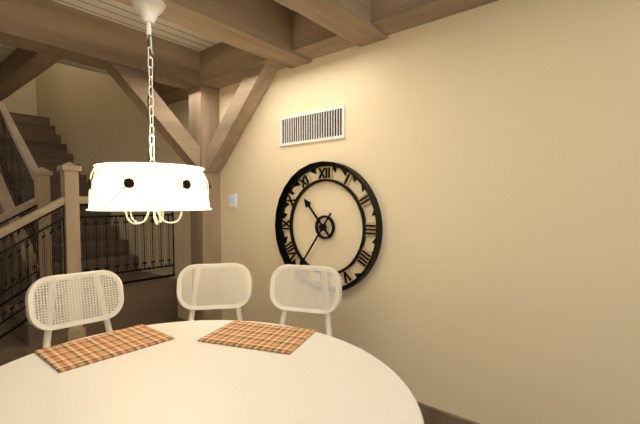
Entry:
h=10 m=36
